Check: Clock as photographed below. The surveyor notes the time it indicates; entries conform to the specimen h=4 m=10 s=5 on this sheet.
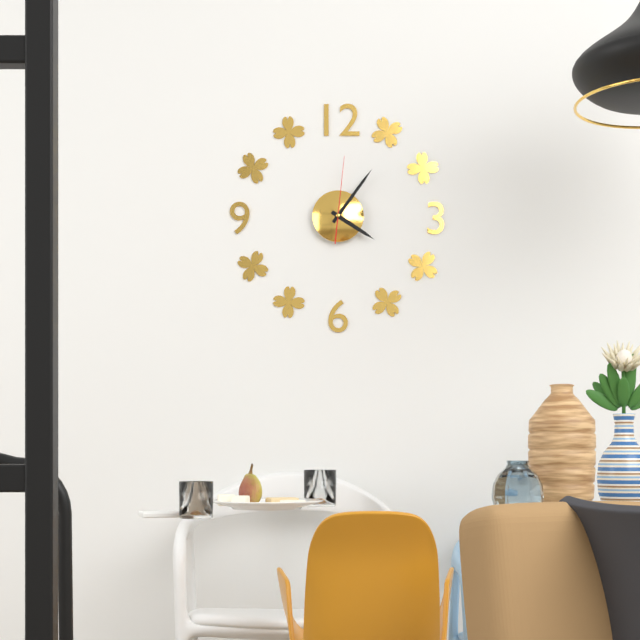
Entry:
h=4 m=6 s=1
